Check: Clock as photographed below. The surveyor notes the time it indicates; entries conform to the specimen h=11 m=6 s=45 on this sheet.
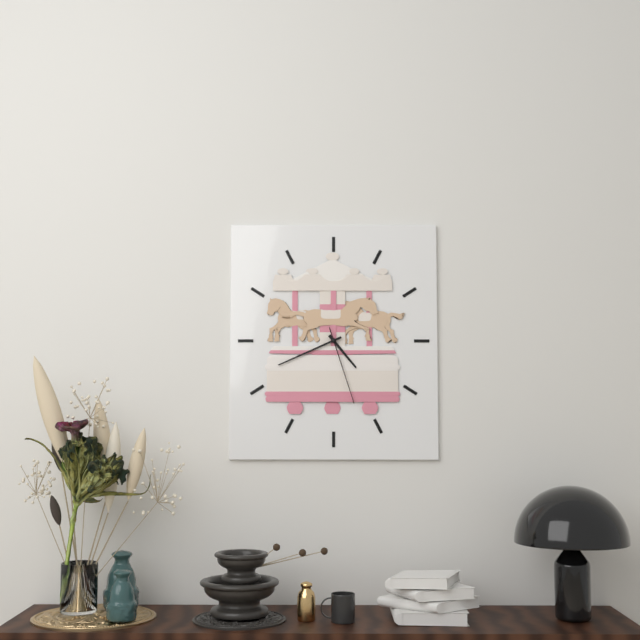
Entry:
h=4 m=41 s=27
